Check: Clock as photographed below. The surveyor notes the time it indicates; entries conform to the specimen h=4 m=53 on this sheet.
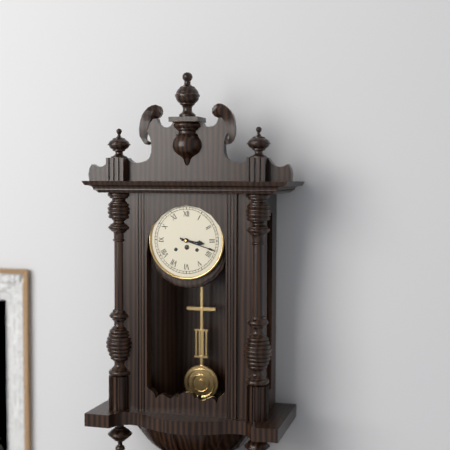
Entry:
h=3 m=18
